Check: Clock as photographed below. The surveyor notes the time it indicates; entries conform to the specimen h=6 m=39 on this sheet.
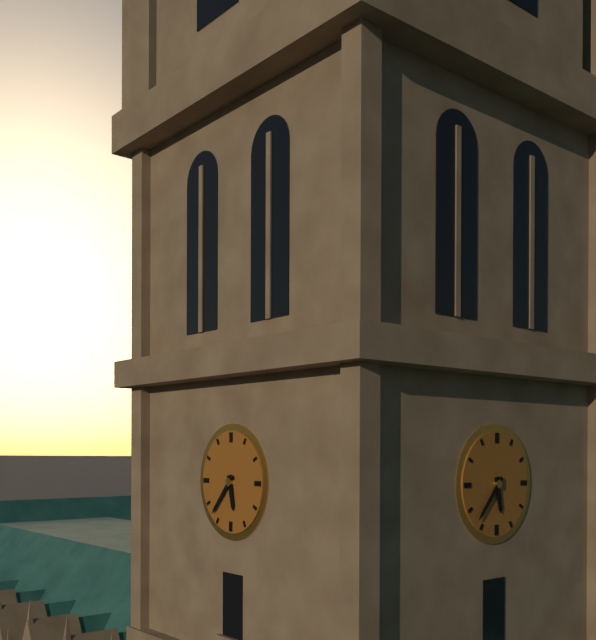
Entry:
h=5 m=37
